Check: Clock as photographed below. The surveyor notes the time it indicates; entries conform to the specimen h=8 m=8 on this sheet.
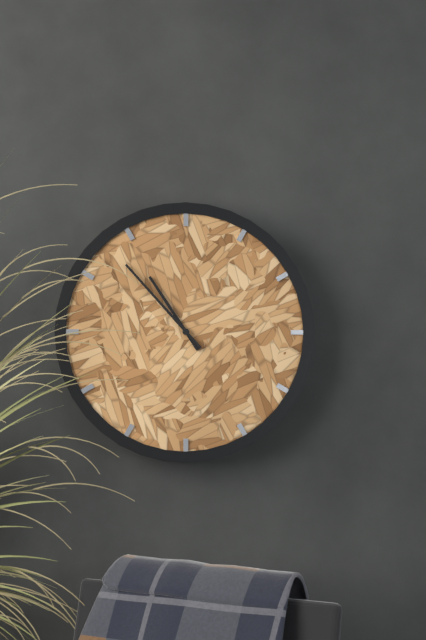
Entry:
h=10 m=53
